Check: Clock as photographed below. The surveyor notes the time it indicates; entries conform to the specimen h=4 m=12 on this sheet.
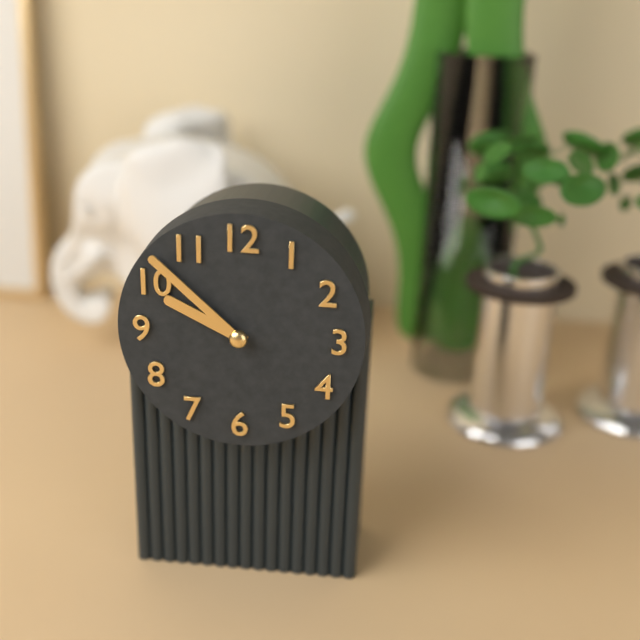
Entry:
h=9 m=52
